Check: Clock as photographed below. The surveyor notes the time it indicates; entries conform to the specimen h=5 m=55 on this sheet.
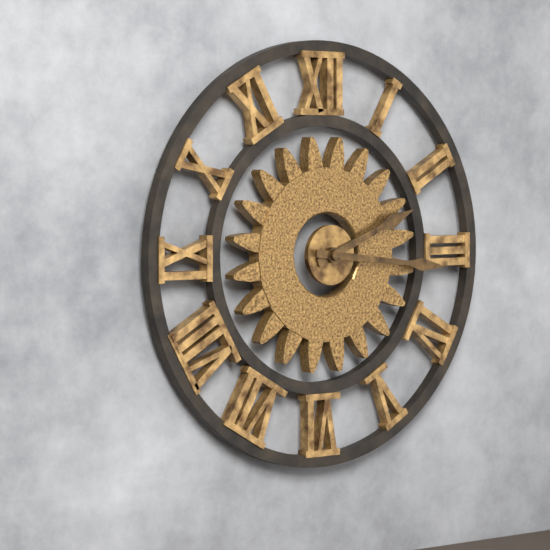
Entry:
h=2 m=16
